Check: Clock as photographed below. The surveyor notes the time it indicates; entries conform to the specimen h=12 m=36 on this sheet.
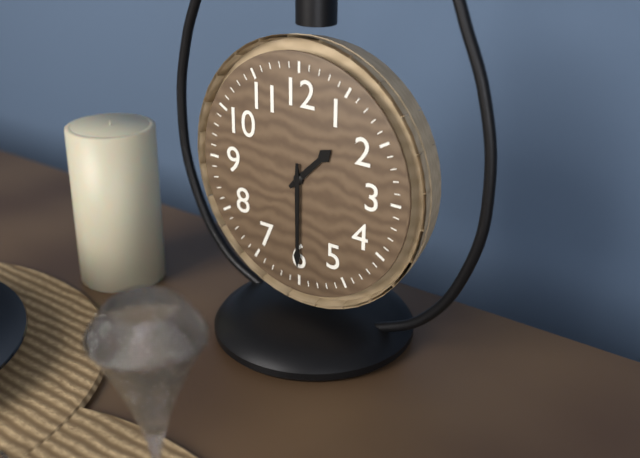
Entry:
h=1 m=30
